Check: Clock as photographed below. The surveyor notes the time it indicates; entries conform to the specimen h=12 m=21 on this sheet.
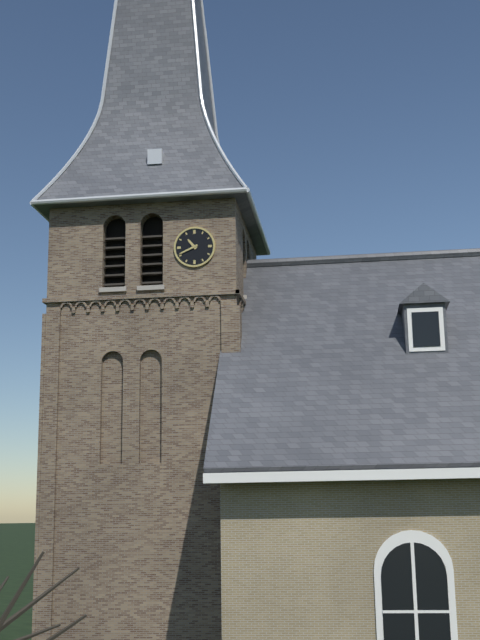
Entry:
h=10 m=41
